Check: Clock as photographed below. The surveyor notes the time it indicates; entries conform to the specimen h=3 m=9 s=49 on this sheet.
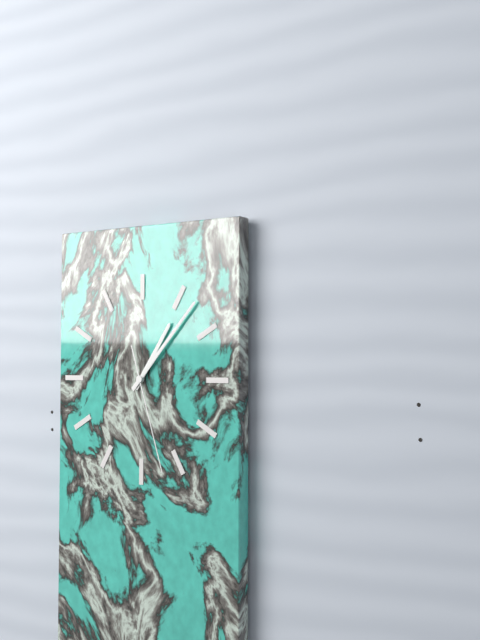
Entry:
h=1 m=7 s=27
